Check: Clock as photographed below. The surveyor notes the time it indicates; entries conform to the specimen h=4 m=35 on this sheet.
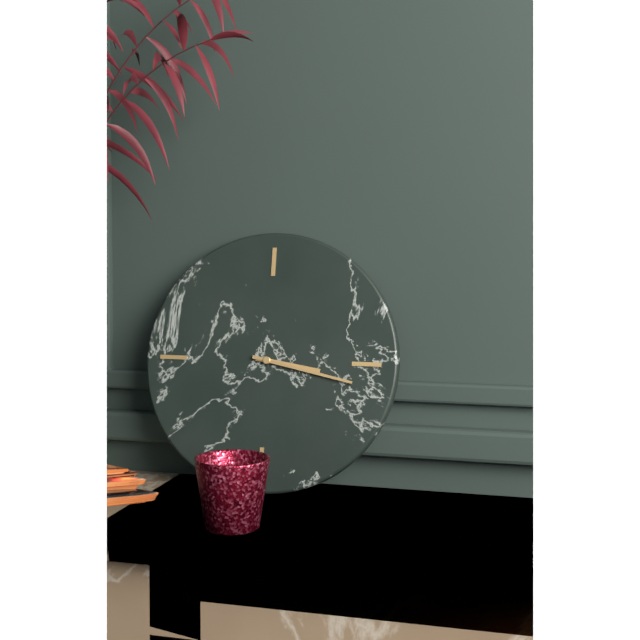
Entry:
h=3 m=17
